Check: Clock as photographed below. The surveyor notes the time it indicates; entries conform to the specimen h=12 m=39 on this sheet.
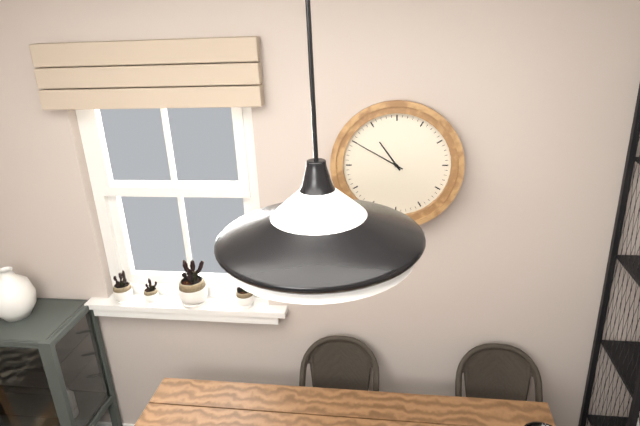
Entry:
h=10 m=50
